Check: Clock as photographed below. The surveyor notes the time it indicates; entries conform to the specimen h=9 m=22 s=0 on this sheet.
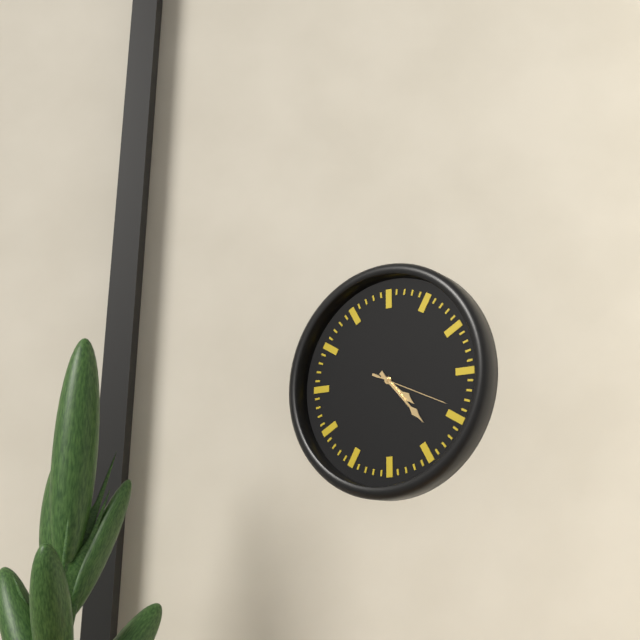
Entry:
h=4 m=23 s=19
